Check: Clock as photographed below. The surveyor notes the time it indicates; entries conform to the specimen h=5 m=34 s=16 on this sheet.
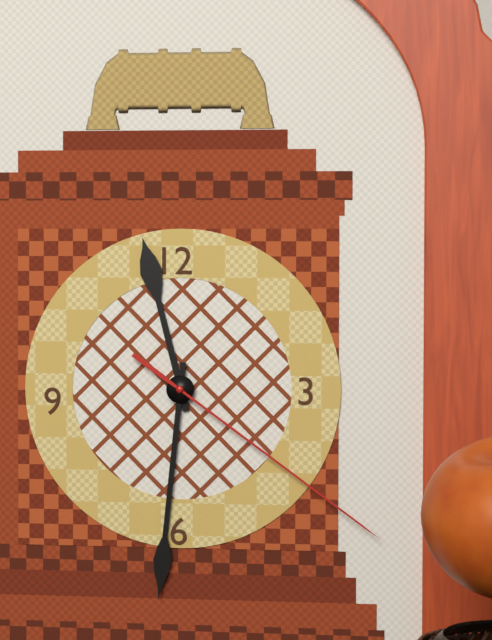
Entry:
h=11 m=31 s=21
